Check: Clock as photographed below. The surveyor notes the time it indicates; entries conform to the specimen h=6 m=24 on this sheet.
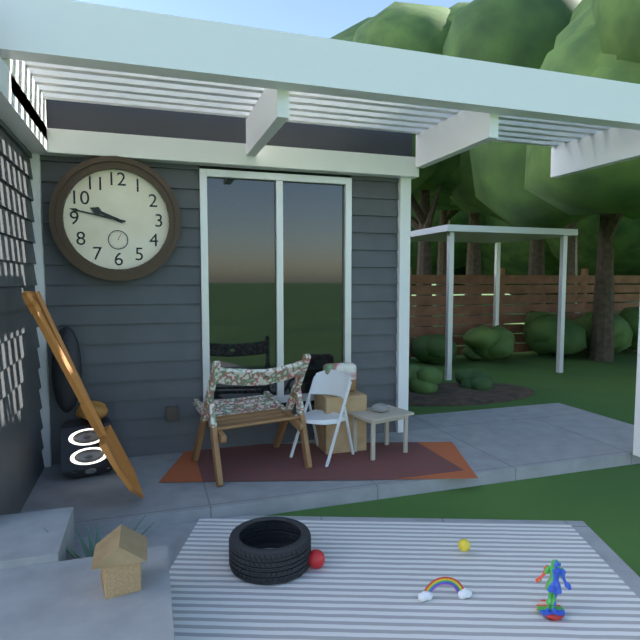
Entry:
h=9 m=47
